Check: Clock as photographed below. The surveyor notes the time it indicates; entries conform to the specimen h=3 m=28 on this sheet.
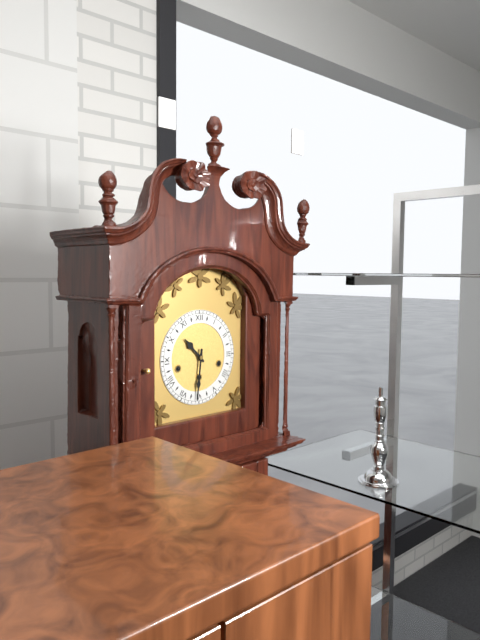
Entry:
h=10 m=31
